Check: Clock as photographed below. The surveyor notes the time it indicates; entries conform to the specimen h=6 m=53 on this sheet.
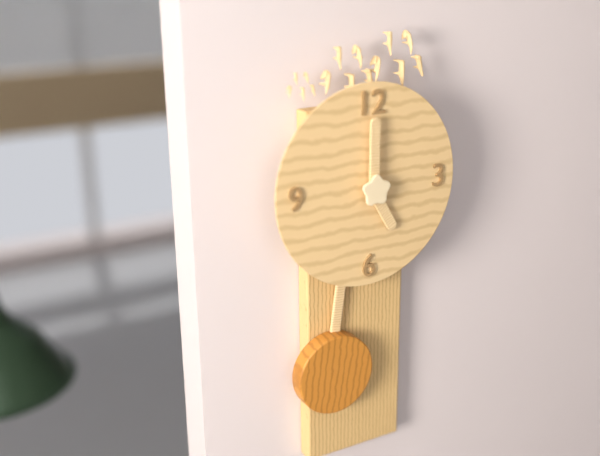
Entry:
h=5 m=0
